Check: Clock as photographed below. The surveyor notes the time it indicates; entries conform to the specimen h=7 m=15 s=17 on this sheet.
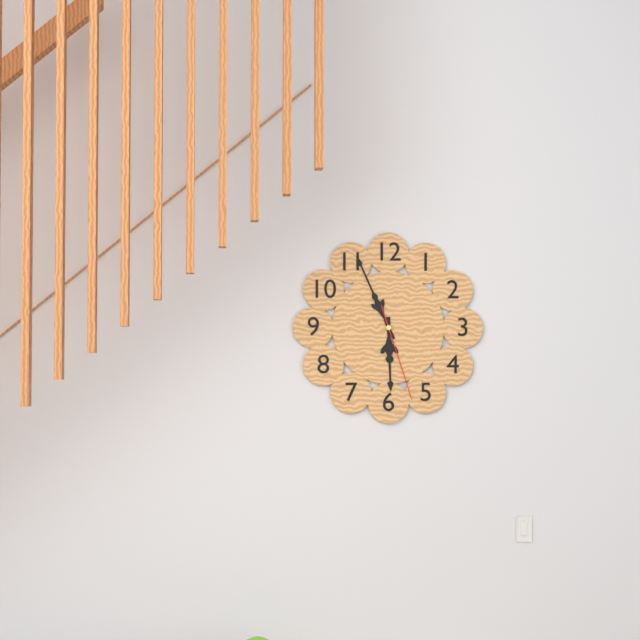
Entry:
h=5 m=56 s=27
